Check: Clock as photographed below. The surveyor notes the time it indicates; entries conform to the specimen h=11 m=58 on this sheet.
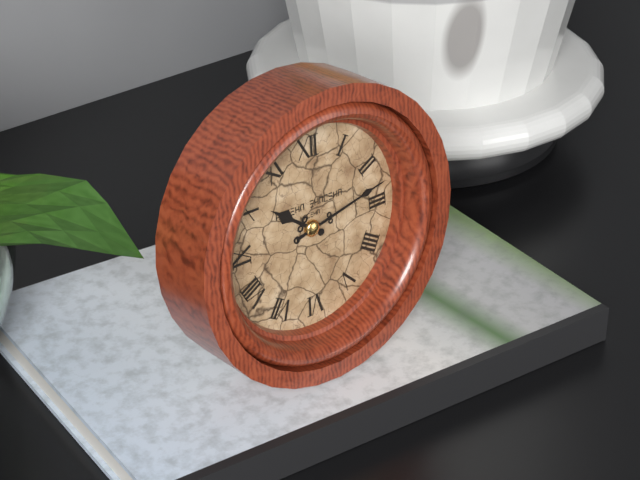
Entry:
h=10 m=13
